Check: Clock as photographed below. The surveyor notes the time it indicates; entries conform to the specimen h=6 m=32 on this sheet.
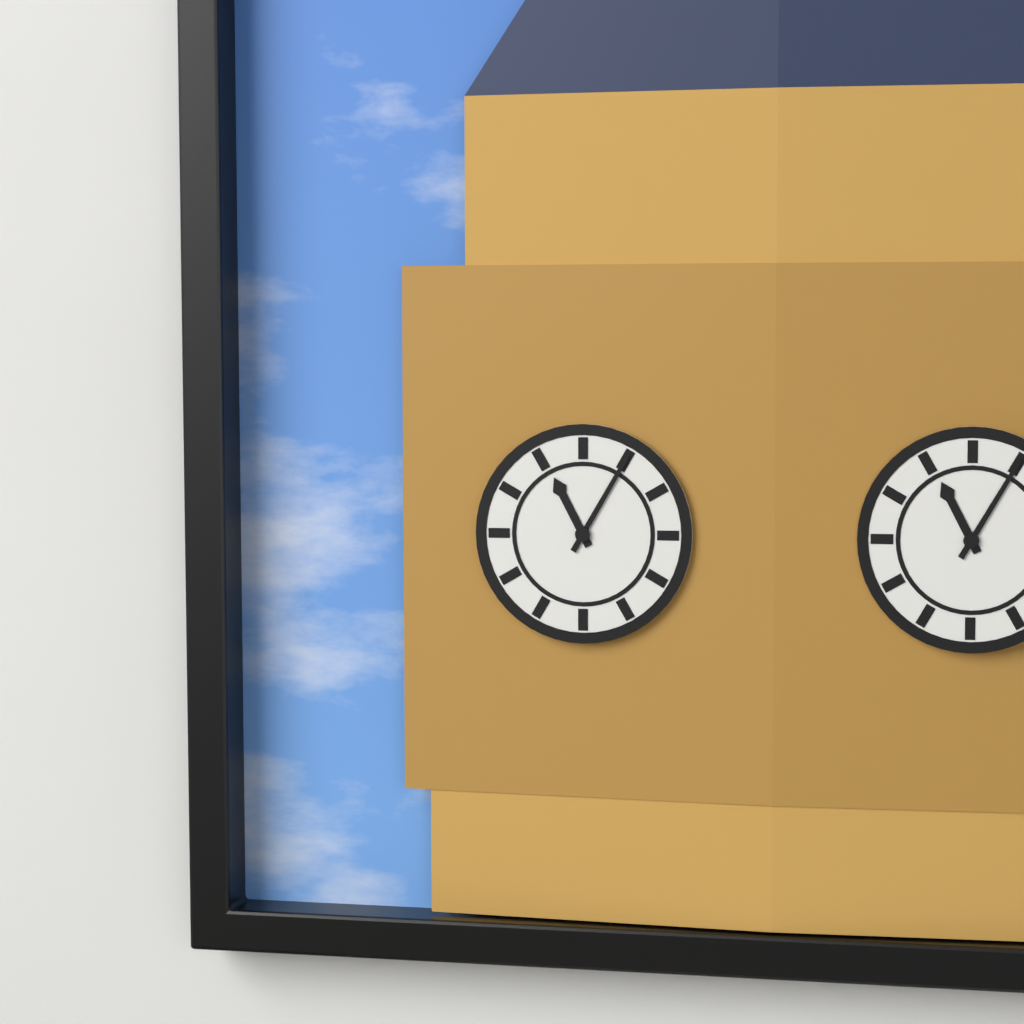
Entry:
h=11 m=5
